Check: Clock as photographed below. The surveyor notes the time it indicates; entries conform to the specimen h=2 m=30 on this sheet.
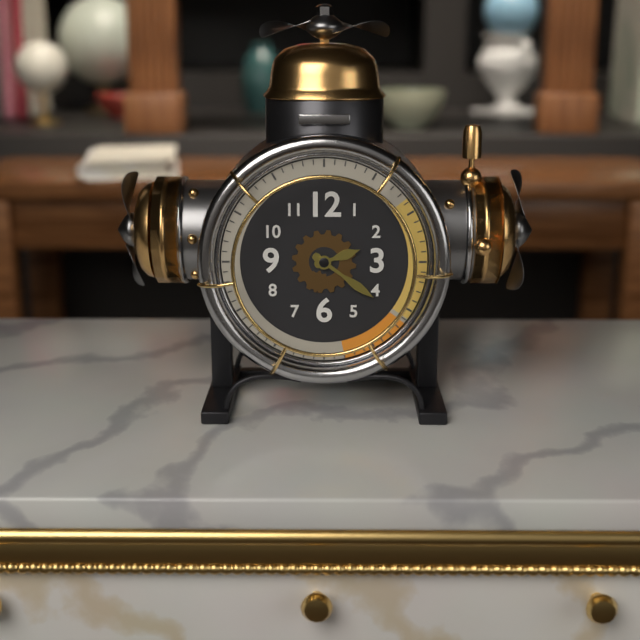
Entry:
h=2 m=21
